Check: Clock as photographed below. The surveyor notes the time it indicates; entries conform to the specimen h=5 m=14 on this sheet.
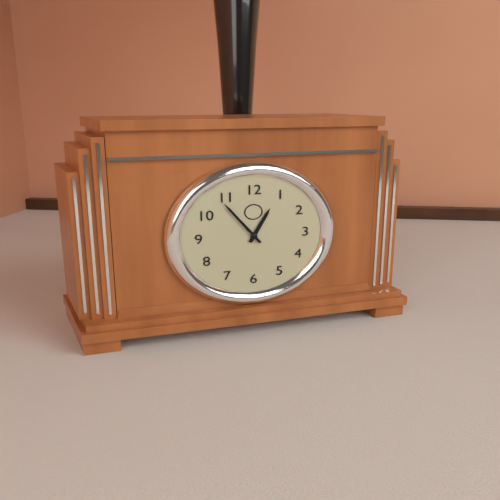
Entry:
h=12 m=54
